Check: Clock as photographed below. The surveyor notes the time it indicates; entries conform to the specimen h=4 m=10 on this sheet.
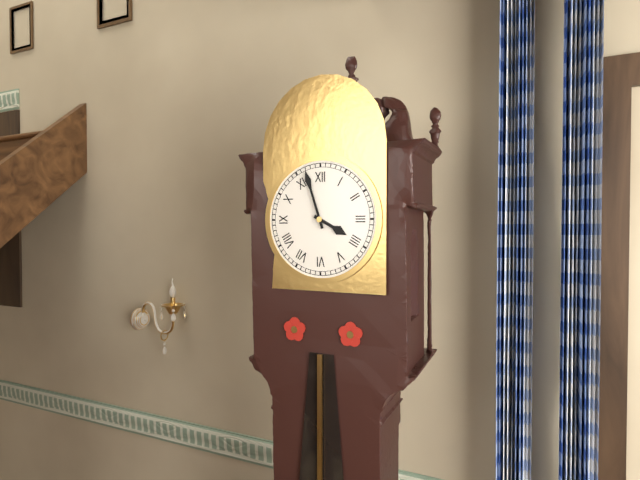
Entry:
h=3 m=57
